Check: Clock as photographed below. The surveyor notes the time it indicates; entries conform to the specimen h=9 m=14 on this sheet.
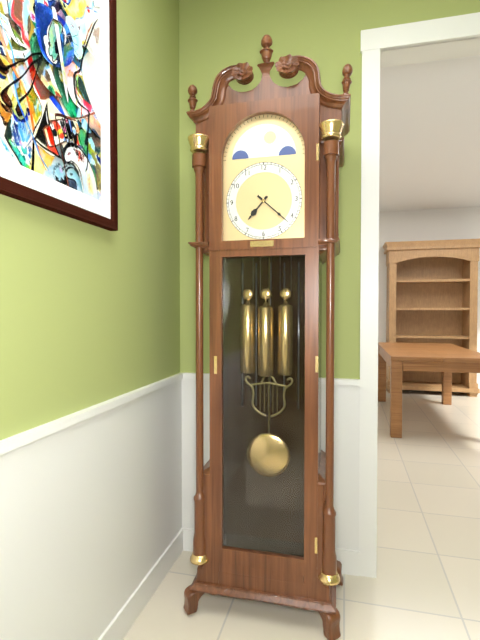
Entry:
h=7 m=22
